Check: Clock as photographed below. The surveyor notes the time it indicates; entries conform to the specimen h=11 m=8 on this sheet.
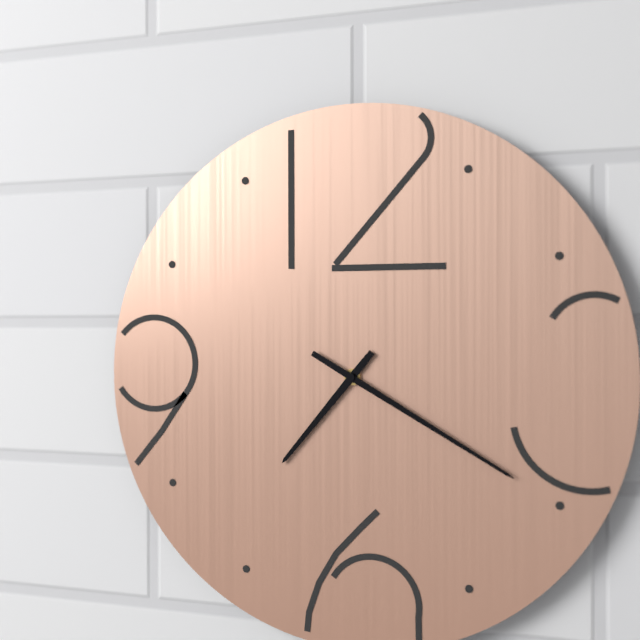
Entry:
h=7 m=20
